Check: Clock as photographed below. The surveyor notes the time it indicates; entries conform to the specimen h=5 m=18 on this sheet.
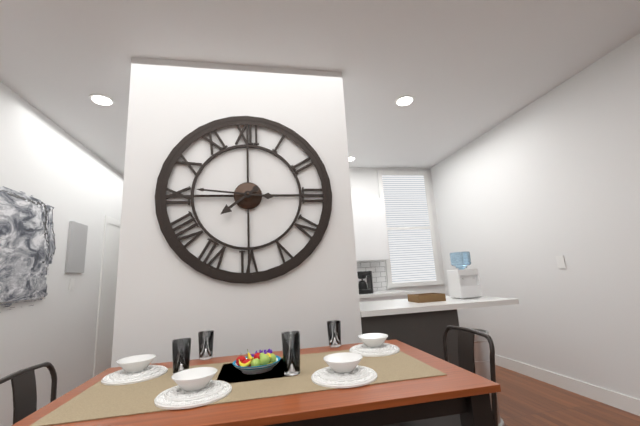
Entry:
h=7 m=46
